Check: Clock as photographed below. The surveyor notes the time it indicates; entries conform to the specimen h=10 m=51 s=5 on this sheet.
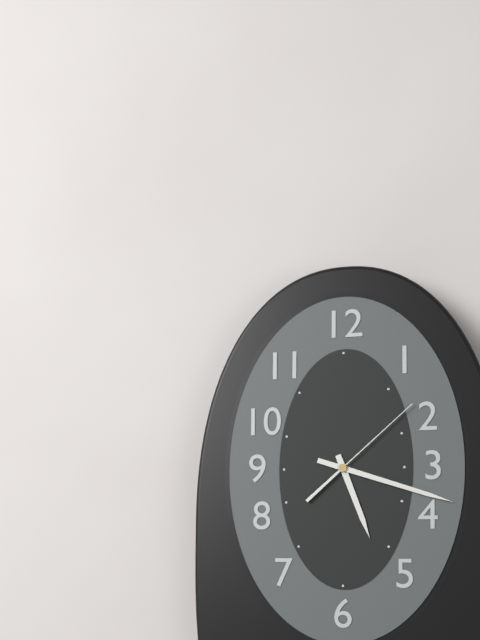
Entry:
h=5 m=18 s=8
